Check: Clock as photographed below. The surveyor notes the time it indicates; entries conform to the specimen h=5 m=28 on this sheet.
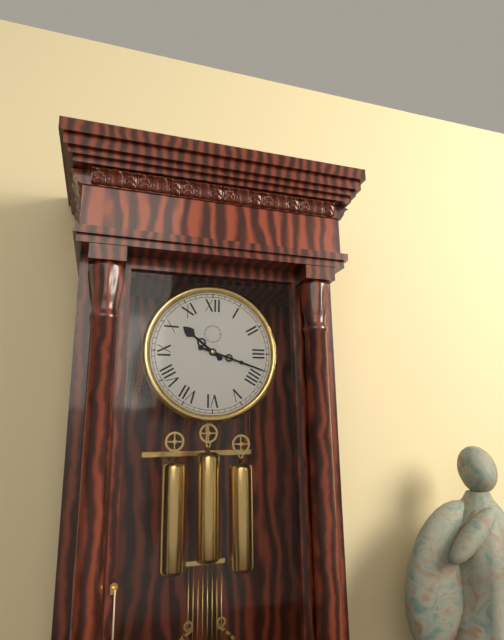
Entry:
h=10 m=18
